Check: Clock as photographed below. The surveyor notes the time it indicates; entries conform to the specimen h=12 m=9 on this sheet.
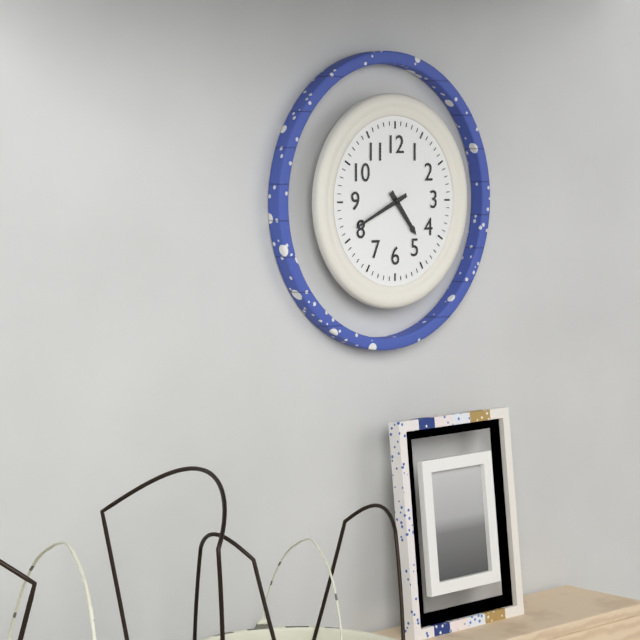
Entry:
h=4 m=41
